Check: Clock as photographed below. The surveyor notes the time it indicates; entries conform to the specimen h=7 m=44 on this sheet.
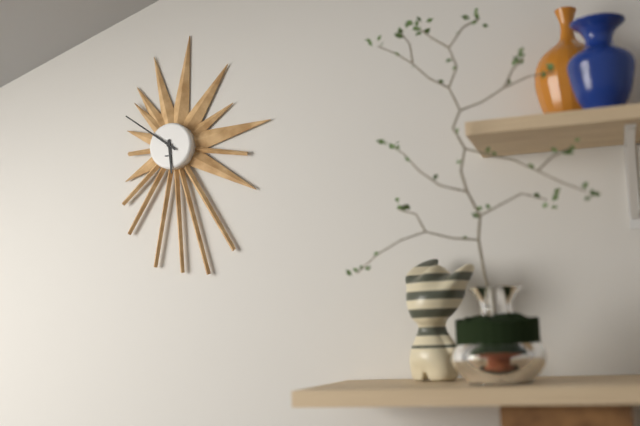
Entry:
h=5 m=51
